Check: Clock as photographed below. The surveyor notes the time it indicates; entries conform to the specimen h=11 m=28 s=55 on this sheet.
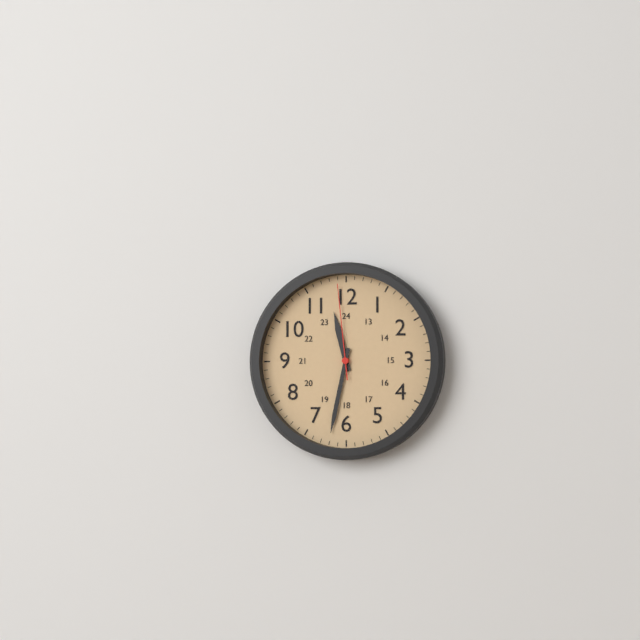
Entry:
h=11 m=32 s=59
